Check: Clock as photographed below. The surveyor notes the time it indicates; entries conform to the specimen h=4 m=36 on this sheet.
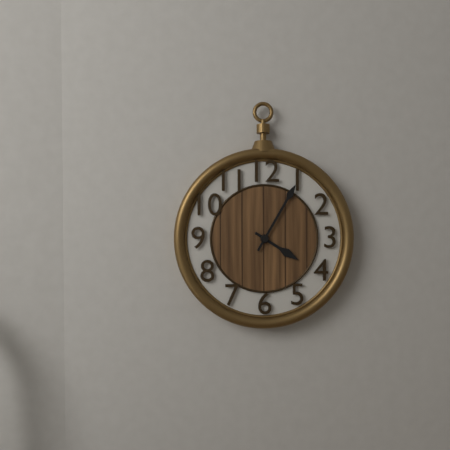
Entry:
h=4 m=5
